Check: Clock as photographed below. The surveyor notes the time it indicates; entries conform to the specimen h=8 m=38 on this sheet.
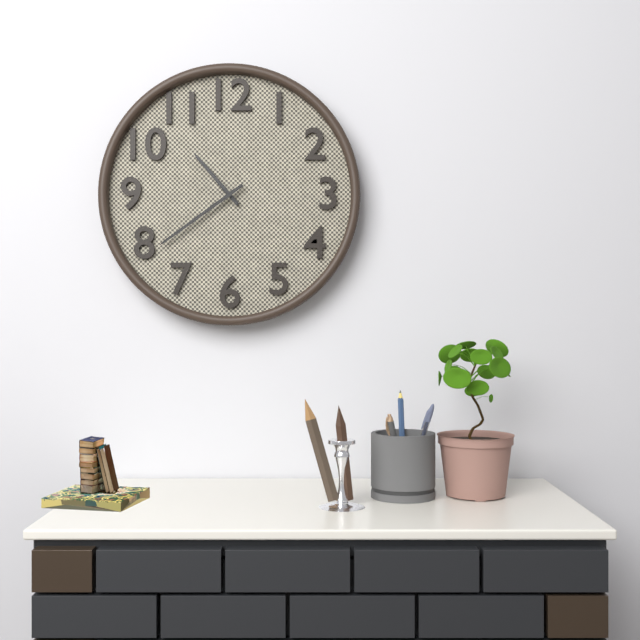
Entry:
h=10 m=39
